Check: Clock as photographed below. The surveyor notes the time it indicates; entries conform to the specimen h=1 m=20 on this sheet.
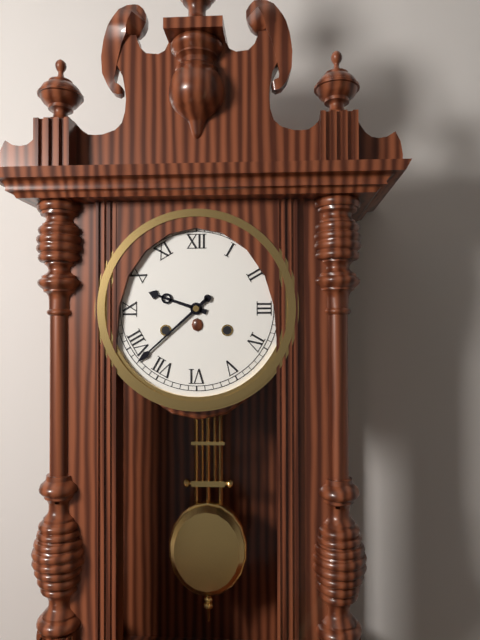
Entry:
h=9 m=38
